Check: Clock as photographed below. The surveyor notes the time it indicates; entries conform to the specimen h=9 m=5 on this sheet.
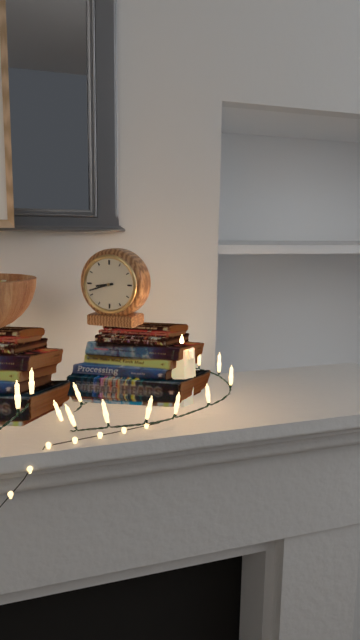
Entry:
h=8 m=42
